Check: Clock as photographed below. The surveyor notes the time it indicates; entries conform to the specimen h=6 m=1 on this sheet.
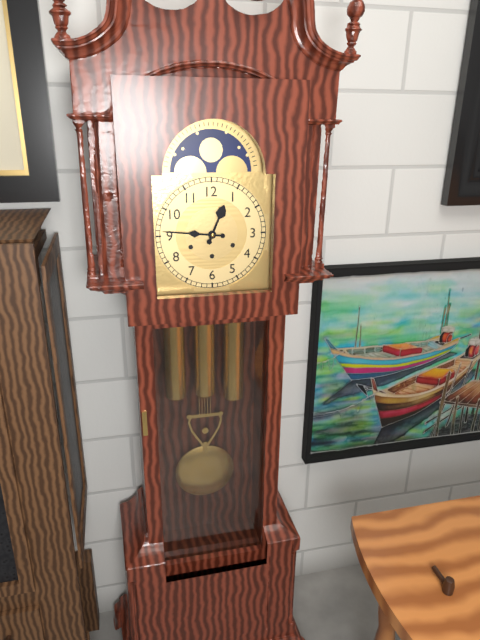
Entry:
h=12 m=46
